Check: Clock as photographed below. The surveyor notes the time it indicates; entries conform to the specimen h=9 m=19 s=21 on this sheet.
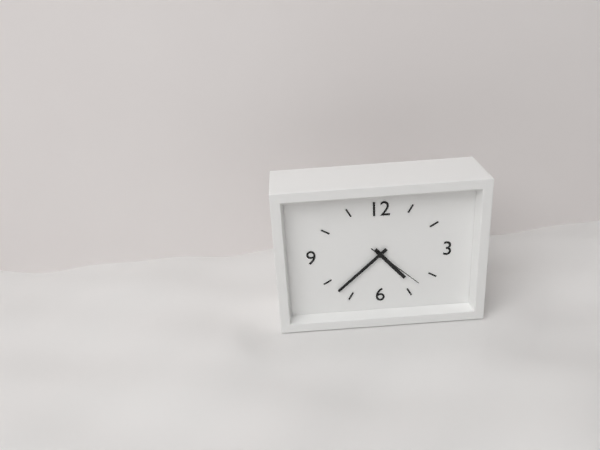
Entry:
h=4 m=38 s=22
